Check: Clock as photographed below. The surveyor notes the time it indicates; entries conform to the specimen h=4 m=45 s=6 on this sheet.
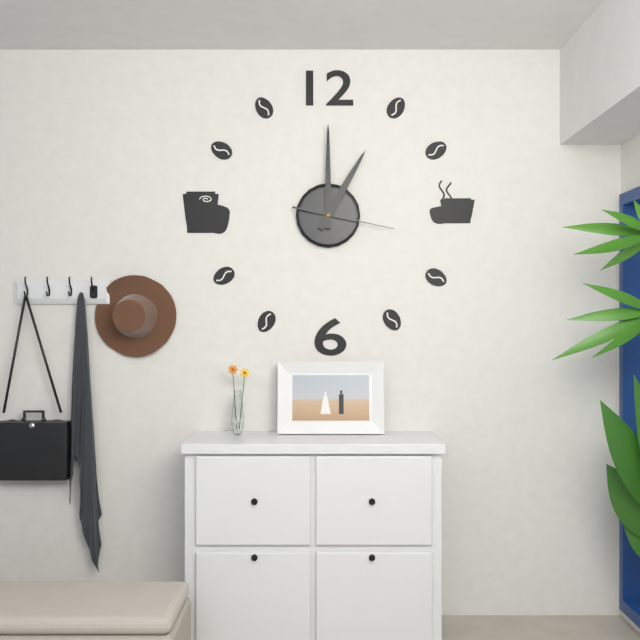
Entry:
h=1 m=0 s=17
